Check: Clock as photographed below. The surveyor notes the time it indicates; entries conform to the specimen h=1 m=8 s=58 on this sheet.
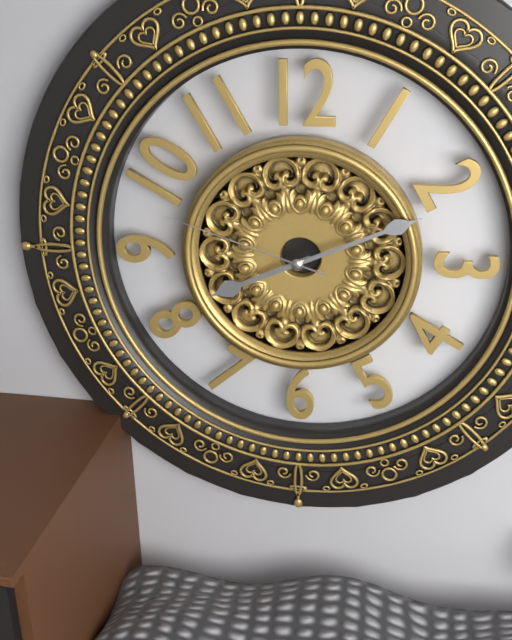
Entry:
h=8 m=11 s=48
